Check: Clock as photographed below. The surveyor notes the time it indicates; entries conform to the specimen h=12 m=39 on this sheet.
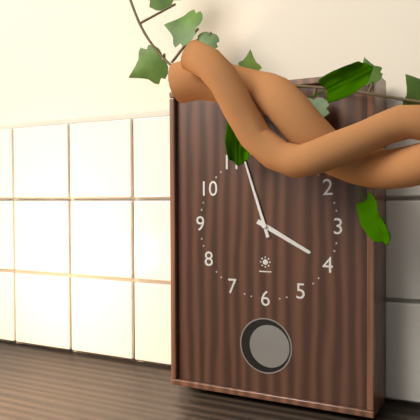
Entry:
h=3 m=57
